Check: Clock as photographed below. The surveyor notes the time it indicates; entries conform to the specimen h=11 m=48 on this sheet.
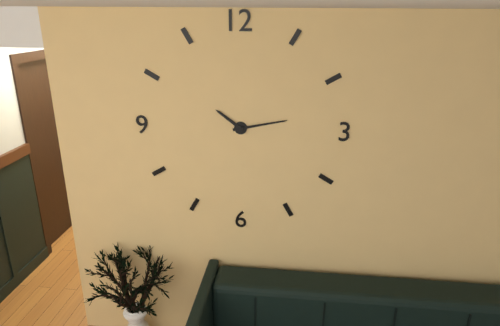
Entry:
h=10 m=13
